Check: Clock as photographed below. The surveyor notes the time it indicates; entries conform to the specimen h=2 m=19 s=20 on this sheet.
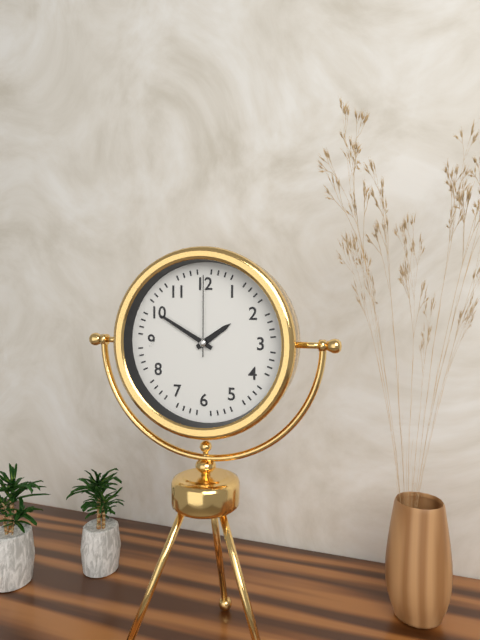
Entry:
h=1 m=50 s=0
